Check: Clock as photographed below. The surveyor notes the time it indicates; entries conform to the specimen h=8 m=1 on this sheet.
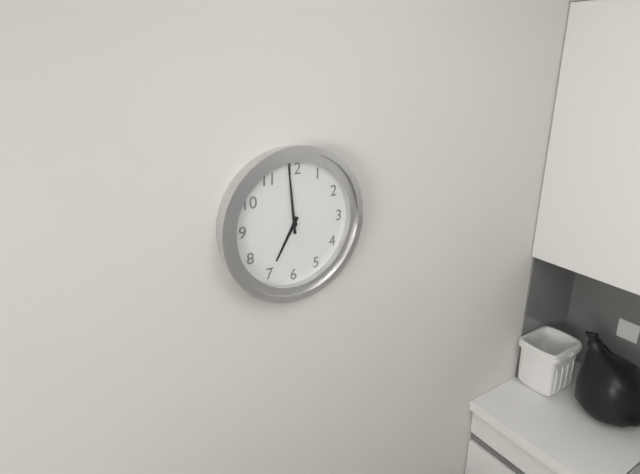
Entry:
h=6 m=59
